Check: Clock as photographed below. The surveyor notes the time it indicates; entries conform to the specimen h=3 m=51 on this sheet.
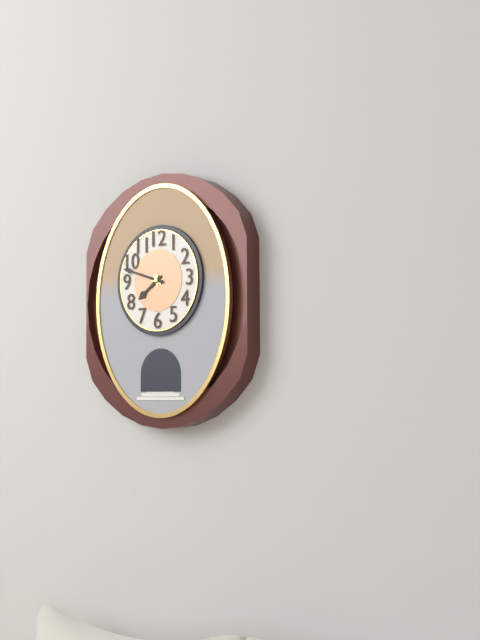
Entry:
h=7 m=48
